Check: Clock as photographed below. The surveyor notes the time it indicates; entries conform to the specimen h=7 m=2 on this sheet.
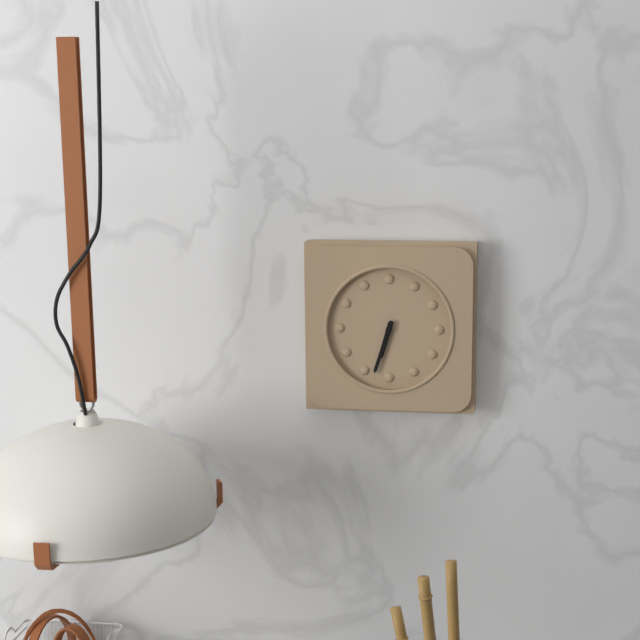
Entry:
h=6 m=33
